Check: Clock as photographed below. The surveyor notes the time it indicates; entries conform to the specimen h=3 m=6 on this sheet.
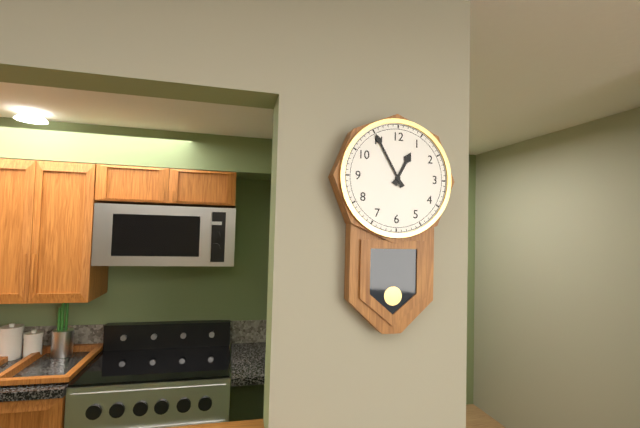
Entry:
h=12 m=55
